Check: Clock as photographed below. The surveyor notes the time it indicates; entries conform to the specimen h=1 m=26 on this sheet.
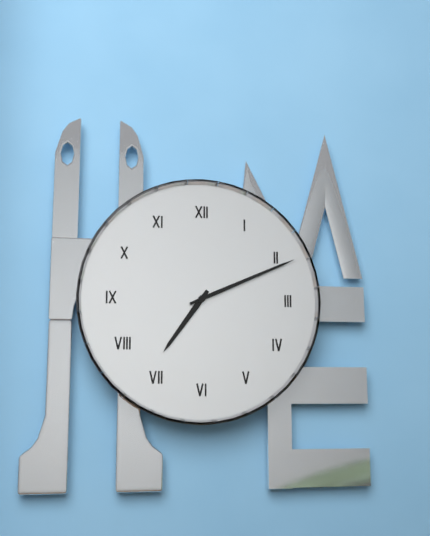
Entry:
h=7 m=11
